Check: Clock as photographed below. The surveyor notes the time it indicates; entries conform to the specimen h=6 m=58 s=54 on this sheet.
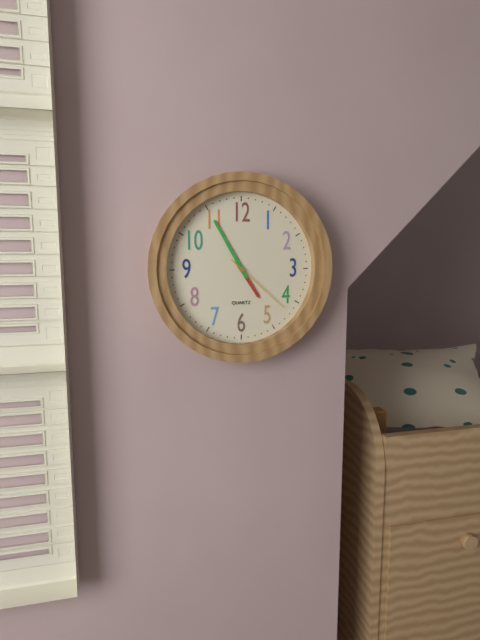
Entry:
h=4 m=55 s=22
